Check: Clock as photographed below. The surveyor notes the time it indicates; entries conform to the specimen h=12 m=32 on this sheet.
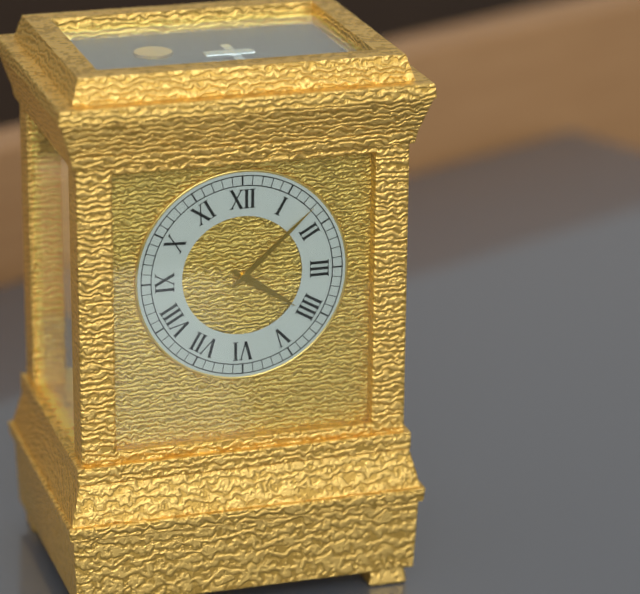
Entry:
h=4 m=8
